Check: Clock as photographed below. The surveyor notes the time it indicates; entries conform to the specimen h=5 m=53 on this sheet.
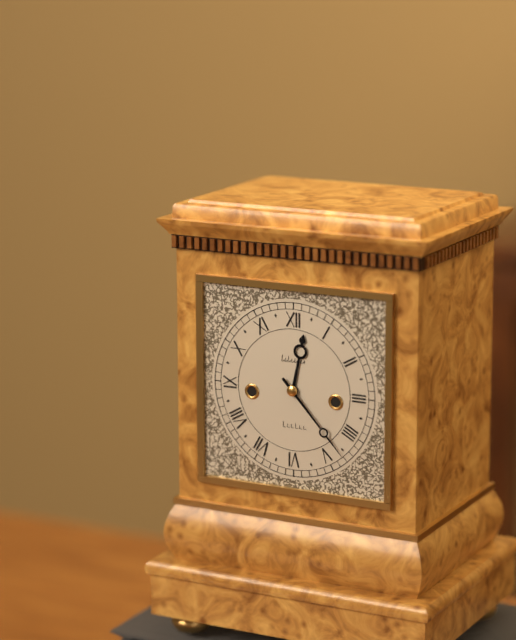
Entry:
h=12 m=23
